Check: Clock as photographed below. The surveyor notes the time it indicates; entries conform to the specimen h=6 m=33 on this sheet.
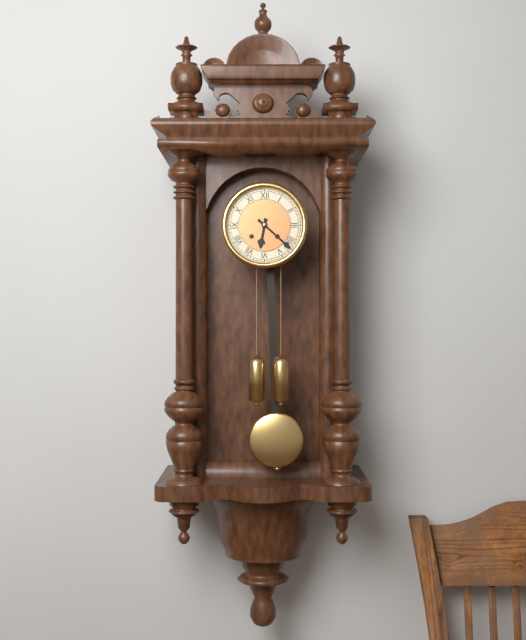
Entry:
h=6 m=22
